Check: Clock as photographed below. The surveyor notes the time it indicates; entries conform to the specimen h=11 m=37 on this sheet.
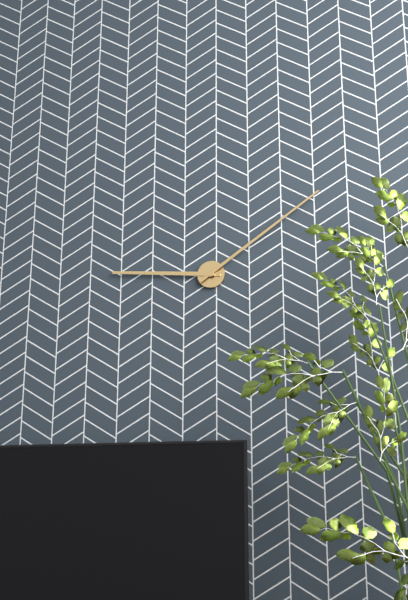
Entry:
h=9 m=9
